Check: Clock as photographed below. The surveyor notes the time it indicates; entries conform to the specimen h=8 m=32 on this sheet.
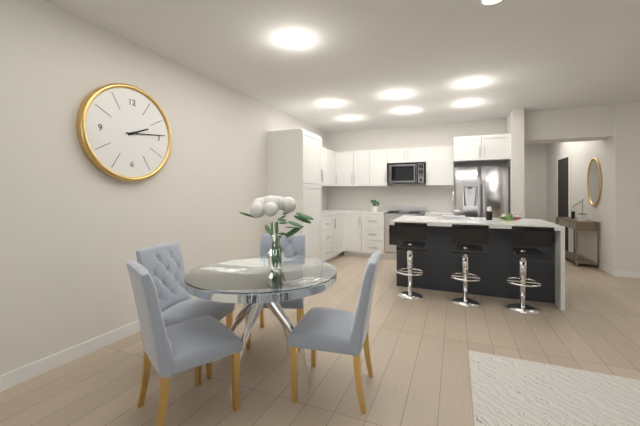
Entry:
h=2 m=14
